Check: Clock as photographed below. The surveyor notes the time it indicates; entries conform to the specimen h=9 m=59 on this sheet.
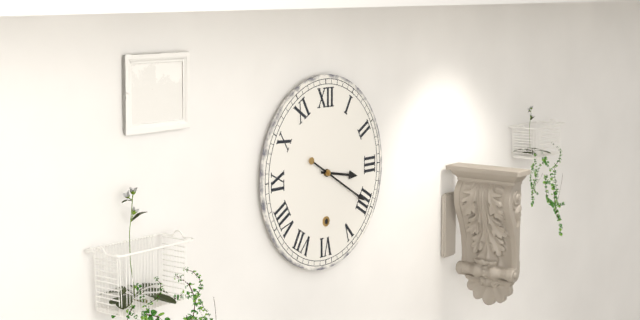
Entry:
h=3 m=20
